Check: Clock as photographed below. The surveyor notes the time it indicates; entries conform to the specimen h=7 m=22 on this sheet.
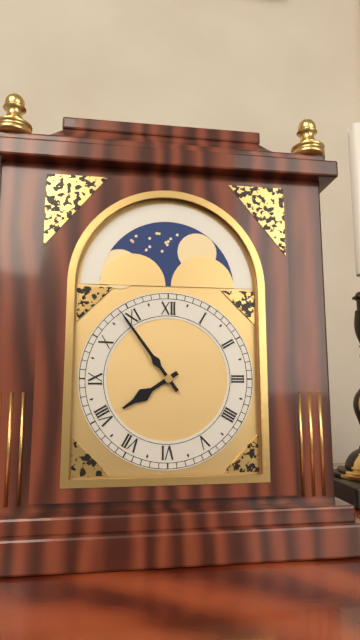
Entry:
h=7 m=54
